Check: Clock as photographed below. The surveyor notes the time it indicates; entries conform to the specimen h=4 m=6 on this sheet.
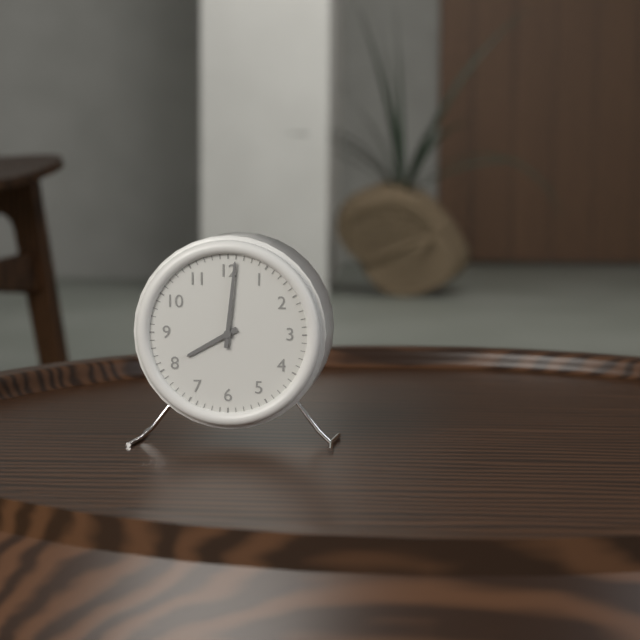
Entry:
h=8 m=1
